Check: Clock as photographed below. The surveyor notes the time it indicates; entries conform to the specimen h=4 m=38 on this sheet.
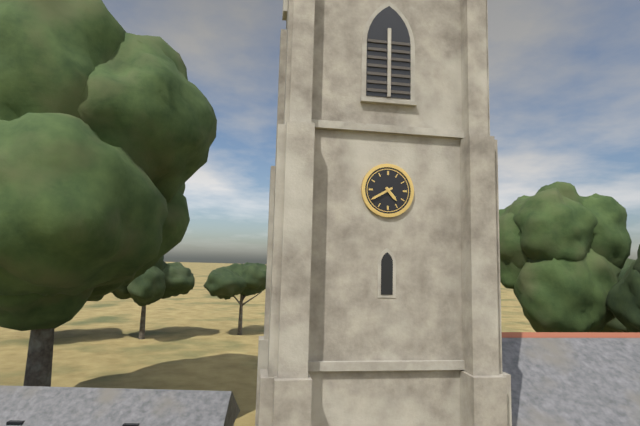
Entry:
h=4 m=40
